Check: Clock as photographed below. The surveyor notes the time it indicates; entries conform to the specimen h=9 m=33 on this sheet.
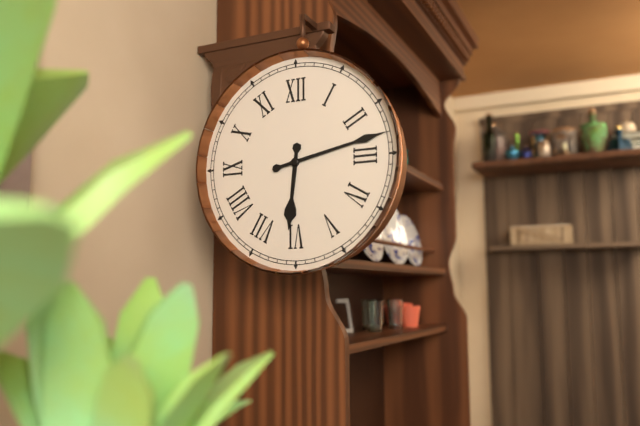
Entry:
h=6 m=13
